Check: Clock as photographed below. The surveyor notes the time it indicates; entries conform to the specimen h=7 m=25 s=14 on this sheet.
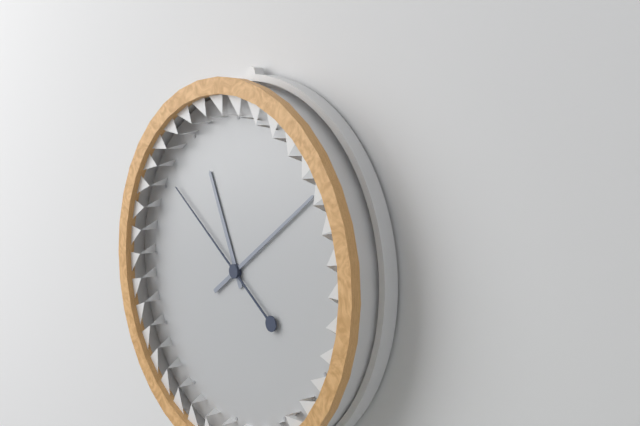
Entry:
h=11 m=9 s=51
